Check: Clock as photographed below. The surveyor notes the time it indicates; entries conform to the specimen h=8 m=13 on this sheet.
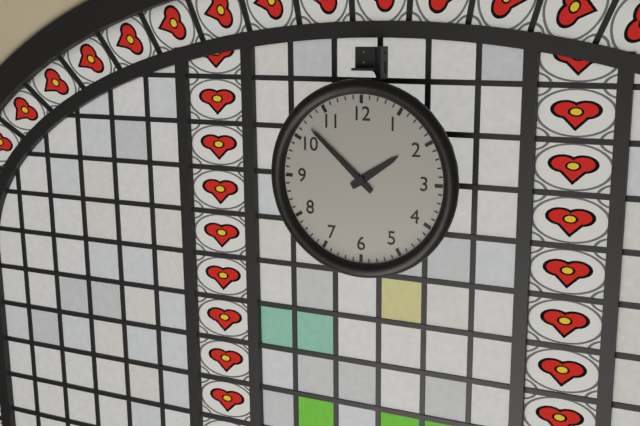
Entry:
h=1 m=52
